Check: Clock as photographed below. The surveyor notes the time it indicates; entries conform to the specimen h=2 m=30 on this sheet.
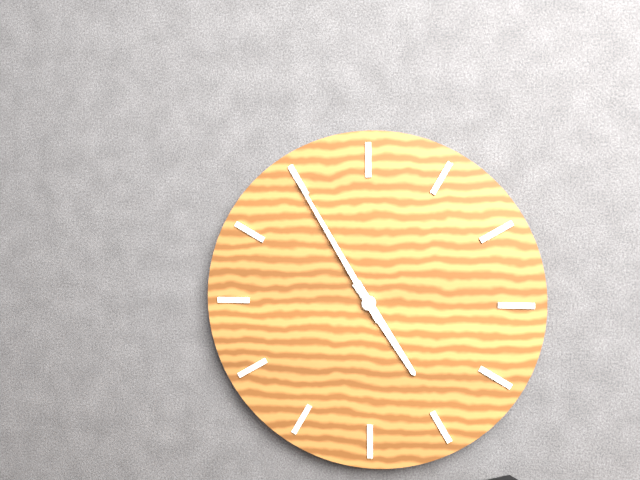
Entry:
h=4 m=55
